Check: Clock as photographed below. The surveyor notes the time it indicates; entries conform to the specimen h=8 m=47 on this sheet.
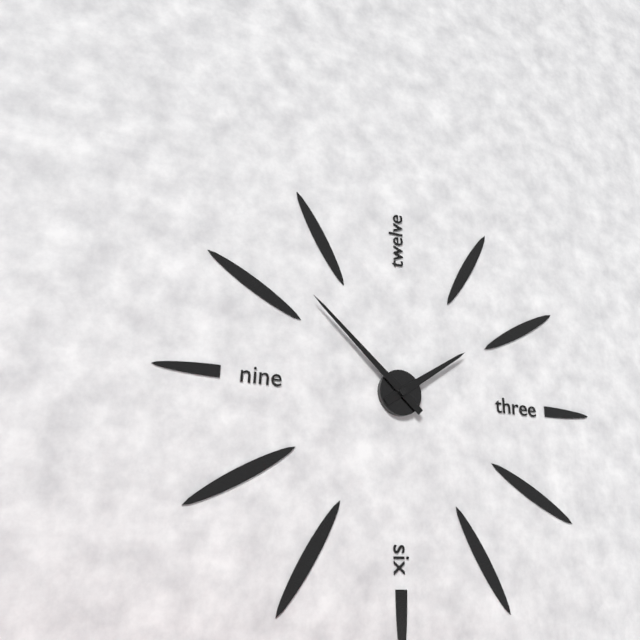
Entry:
h=1 m=52
